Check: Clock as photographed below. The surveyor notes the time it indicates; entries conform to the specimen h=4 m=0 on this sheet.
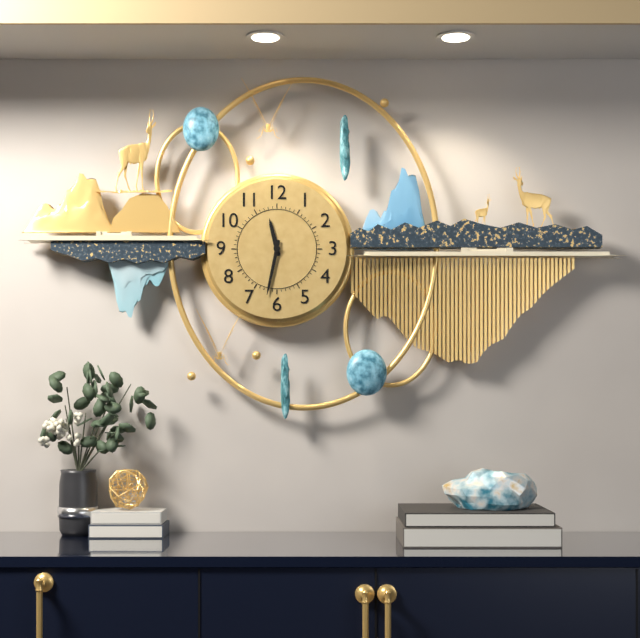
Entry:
h=11 m=32
